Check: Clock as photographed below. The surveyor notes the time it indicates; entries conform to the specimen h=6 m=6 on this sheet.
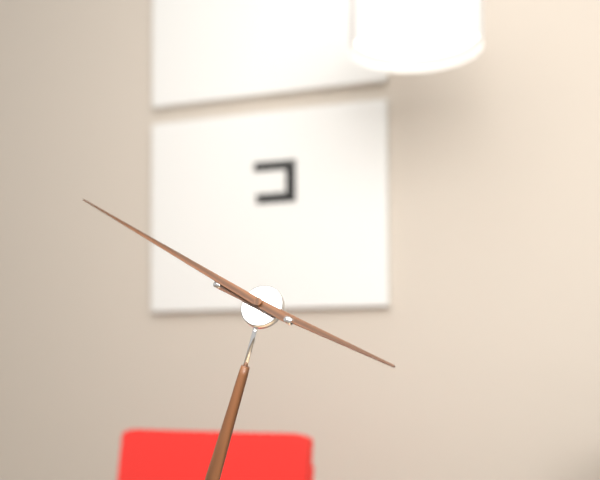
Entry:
h=3 m=50
